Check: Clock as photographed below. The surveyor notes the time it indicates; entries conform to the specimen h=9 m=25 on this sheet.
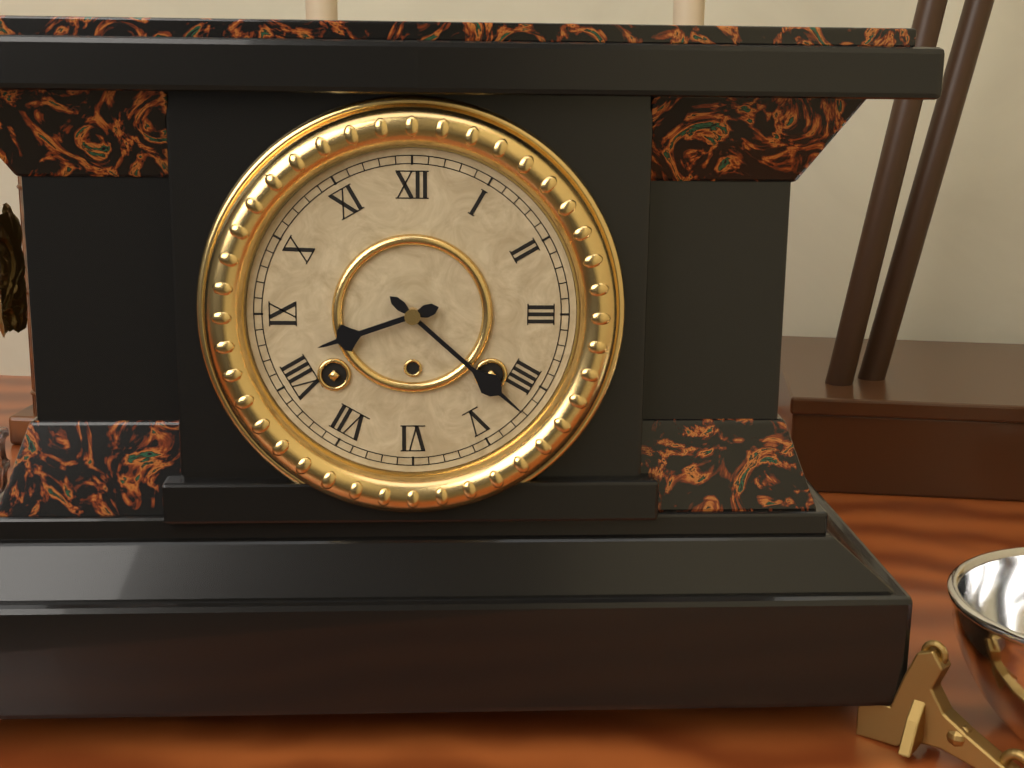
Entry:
h=8 m=22
